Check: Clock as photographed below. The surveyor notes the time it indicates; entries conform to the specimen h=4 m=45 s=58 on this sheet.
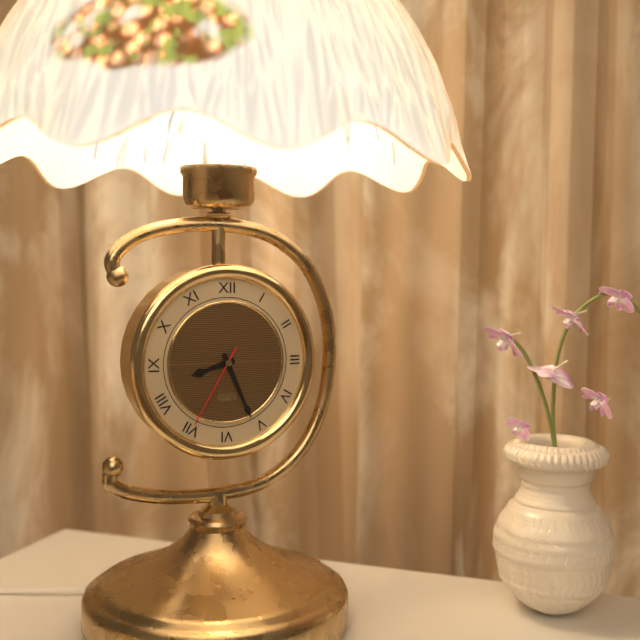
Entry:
h=8 m=26 s=35
